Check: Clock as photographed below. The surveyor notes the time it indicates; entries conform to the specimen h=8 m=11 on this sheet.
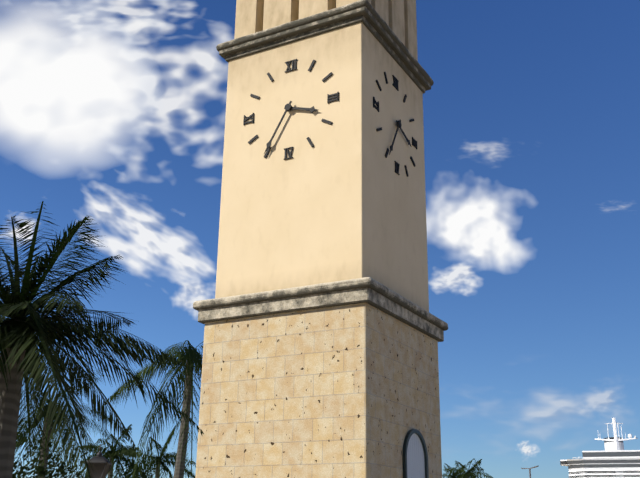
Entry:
h=3 m=35
